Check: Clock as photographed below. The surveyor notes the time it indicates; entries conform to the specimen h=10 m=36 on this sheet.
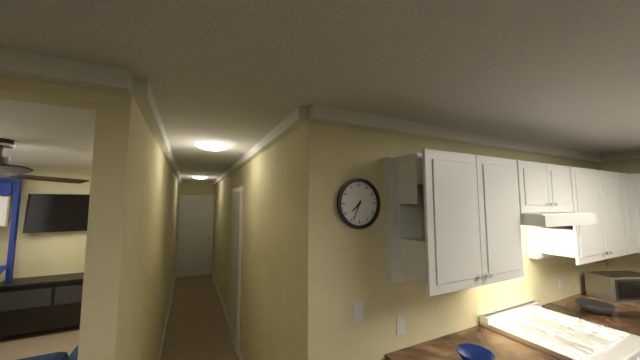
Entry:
h=7 m=34
